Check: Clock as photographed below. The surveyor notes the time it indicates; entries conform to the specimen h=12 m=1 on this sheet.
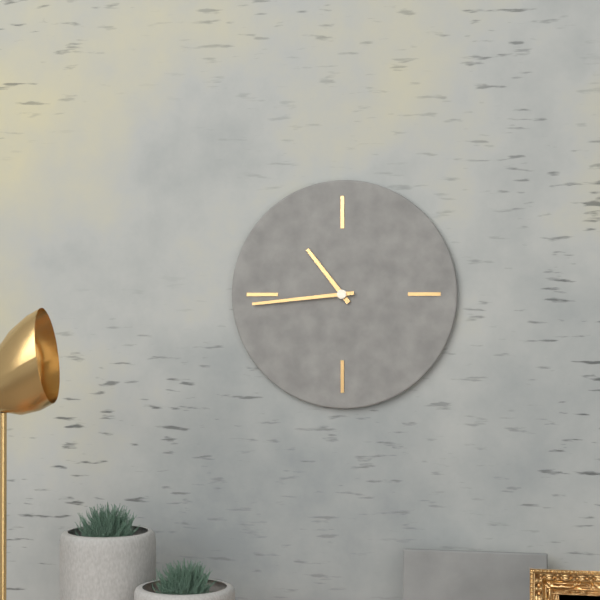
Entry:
h=10 m=44
